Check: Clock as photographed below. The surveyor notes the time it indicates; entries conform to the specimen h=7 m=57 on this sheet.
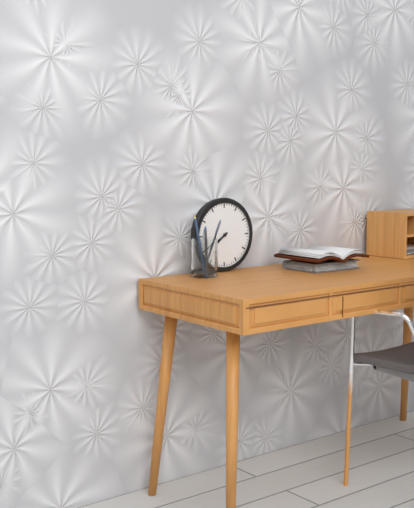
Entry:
h=7 m=40
